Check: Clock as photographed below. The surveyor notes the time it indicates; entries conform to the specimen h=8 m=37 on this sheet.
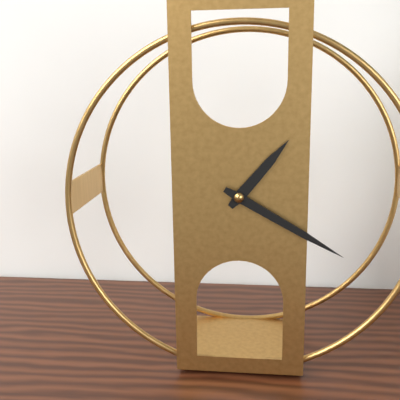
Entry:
h=1 m=20
